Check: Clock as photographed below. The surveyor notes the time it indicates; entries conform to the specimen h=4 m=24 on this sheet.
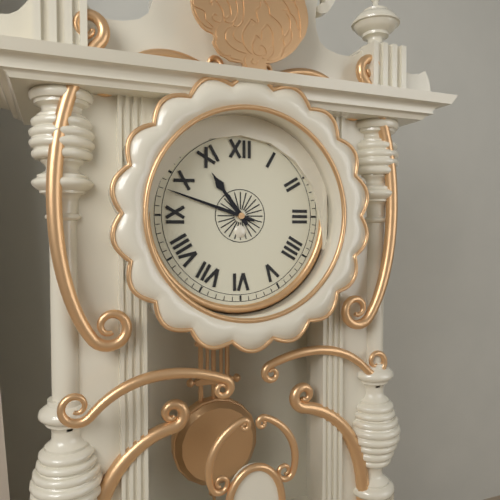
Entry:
h=10 m=48
